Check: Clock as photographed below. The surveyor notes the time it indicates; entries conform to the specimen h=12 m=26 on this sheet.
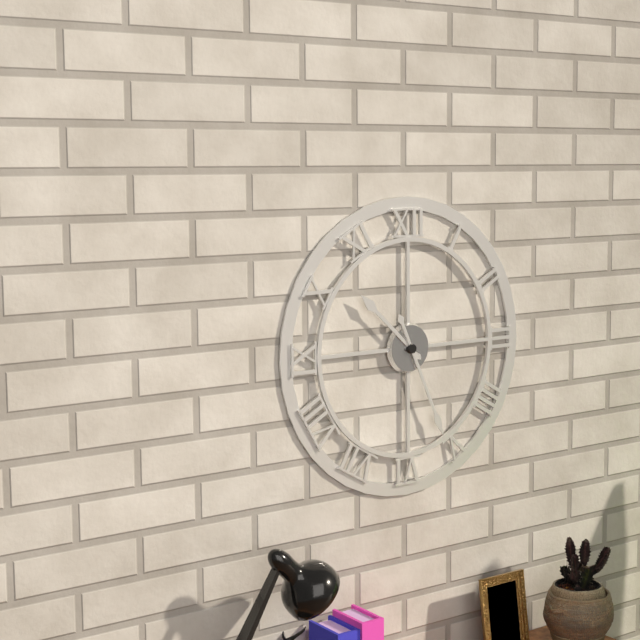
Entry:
h=10 m=26
